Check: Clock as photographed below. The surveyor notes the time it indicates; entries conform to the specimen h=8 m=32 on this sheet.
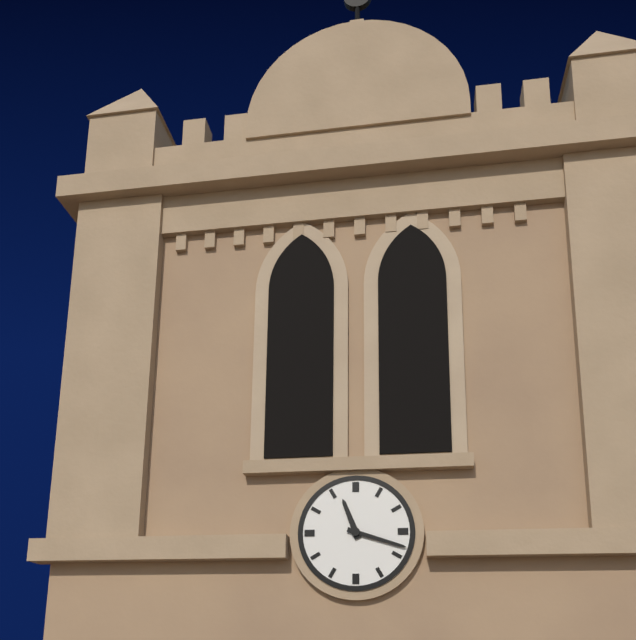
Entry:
h=11 m=18
